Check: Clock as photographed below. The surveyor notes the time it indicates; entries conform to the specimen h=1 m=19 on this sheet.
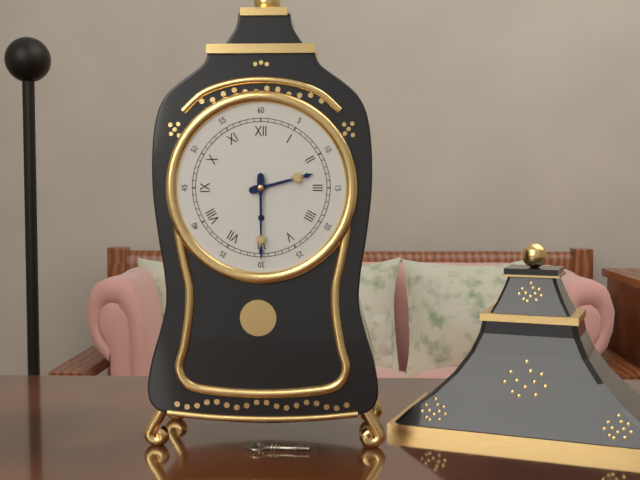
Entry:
h=2 m=30
